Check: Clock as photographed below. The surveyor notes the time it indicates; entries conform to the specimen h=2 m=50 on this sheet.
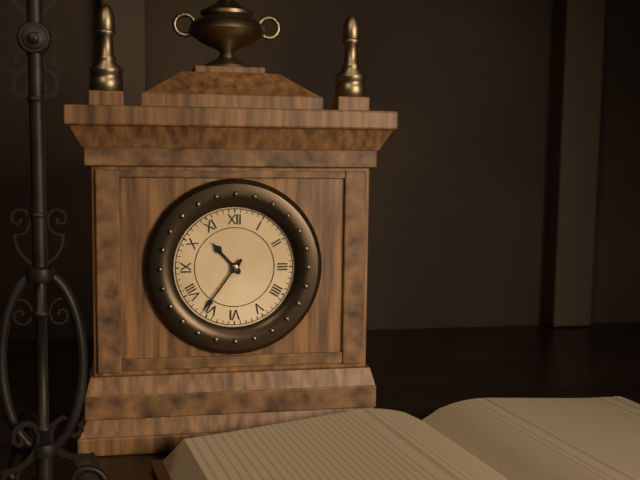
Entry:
h=10 m=36
